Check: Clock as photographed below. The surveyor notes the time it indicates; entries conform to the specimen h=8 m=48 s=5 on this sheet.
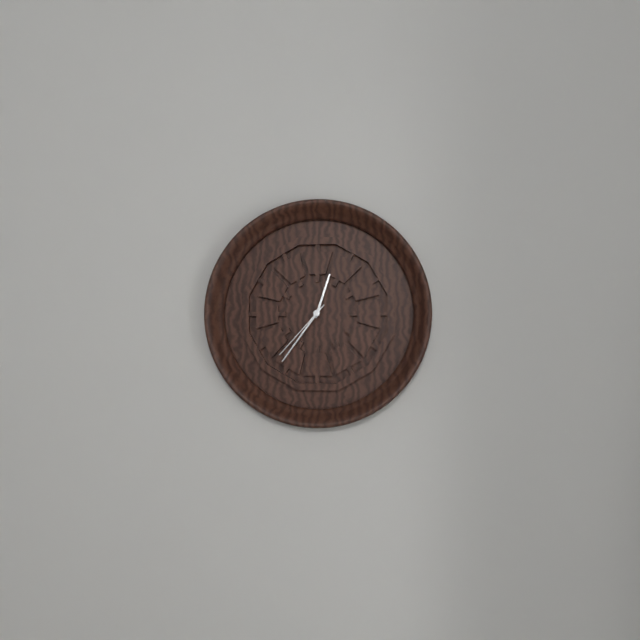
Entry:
h=12 m=36 s=37
